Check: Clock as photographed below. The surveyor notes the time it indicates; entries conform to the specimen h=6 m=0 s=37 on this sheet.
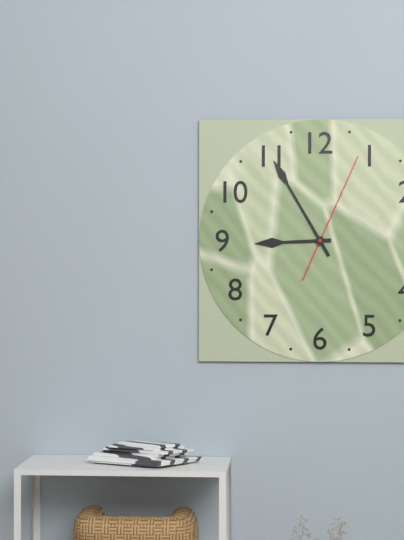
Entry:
h=8 m=55 s=4
